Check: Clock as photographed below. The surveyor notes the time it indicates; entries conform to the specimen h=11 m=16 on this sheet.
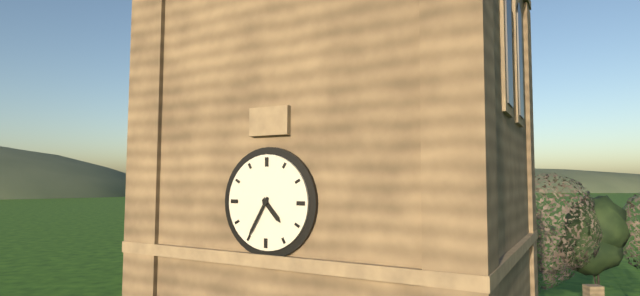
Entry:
h=4 m=35
